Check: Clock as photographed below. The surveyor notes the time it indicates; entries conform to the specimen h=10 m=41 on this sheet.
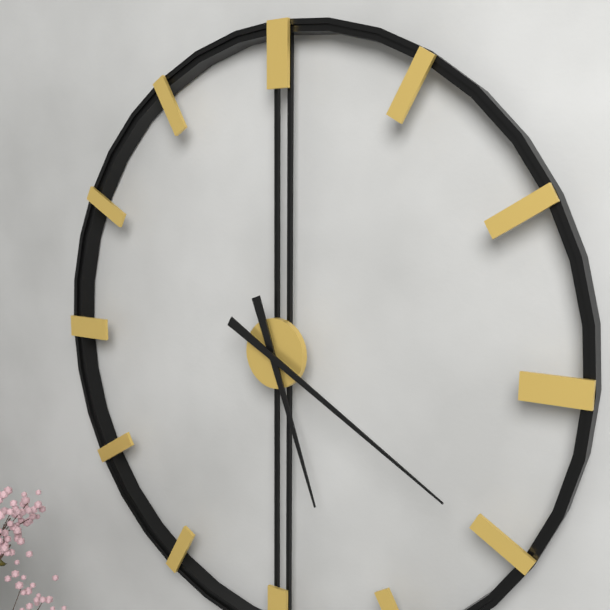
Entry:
h=5 m=20
